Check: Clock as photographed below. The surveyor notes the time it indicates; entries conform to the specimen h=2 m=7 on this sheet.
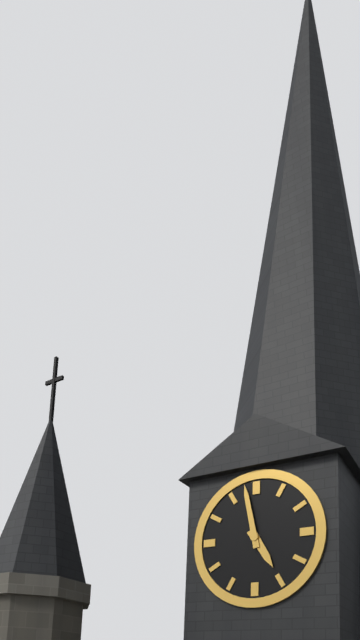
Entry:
h=4 m=58
